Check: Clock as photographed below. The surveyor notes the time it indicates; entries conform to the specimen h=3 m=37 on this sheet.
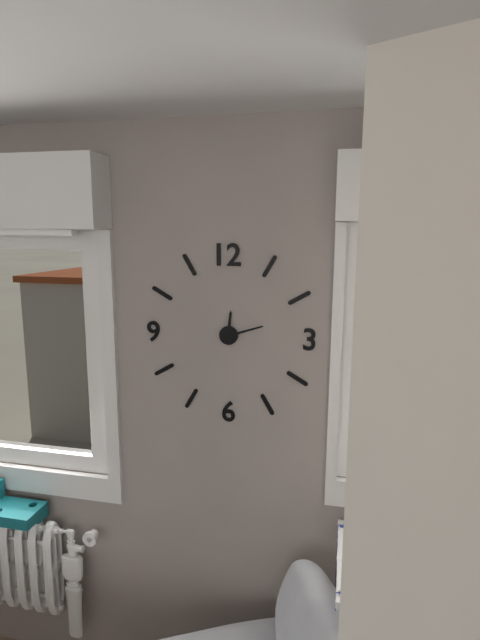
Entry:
h=12 m=12
